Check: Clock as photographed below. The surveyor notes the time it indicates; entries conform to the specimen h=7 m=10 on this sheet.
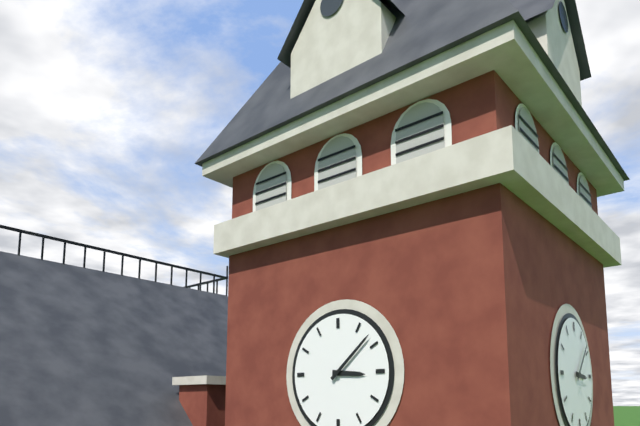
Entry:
h=3 m=8
